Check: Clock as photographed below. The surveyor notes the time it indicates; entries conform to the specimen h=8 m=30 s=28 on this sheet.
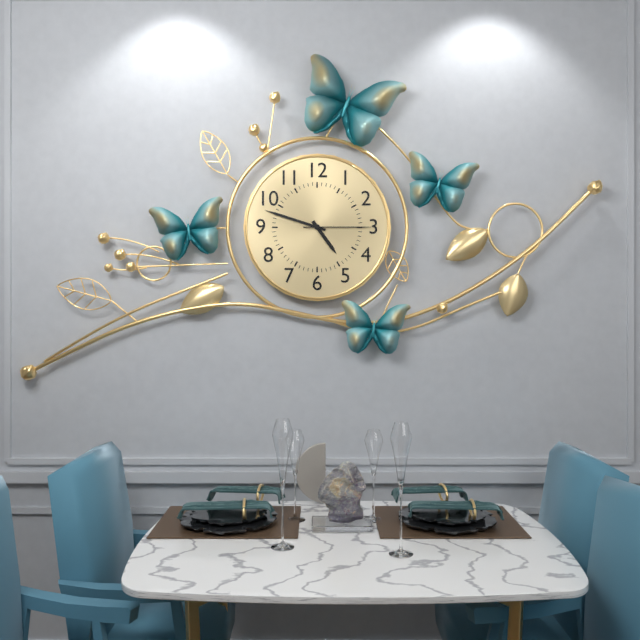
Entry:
h=4 m=48 s=15
